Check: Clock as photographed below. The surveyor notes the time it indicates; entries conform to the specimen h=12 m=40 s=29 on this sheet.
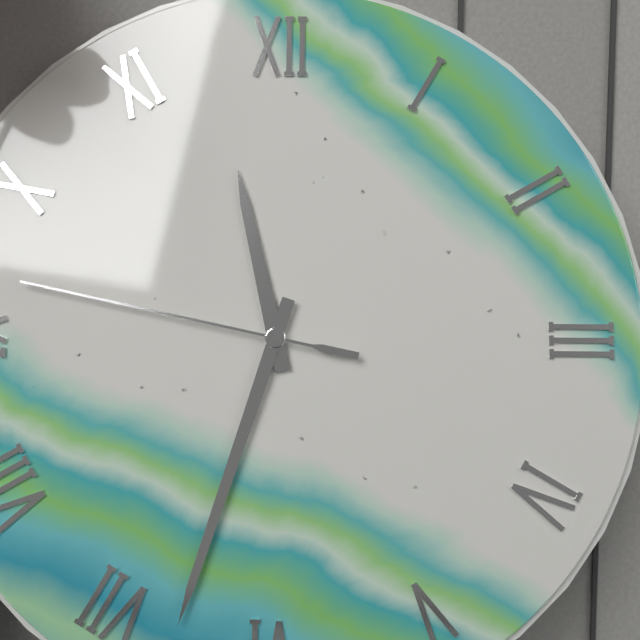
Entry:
h=11 m=33 s=47
